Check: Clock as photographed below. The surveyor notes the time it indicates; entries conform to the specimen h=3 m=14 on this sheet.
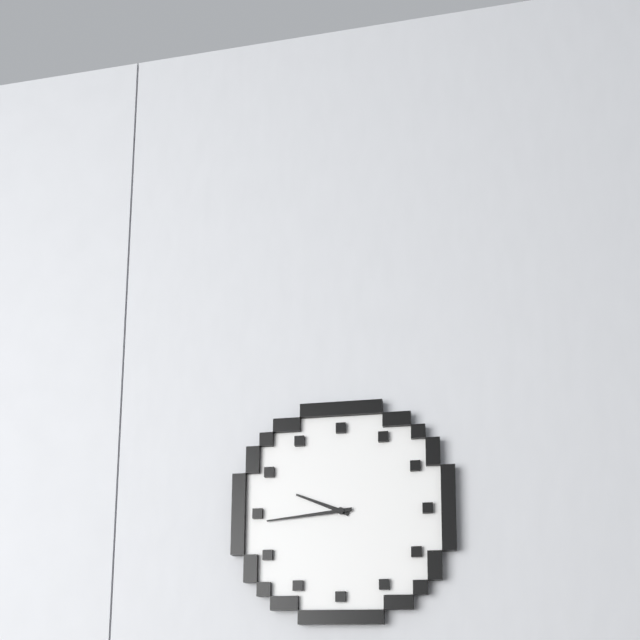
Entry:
h=9 m=44
